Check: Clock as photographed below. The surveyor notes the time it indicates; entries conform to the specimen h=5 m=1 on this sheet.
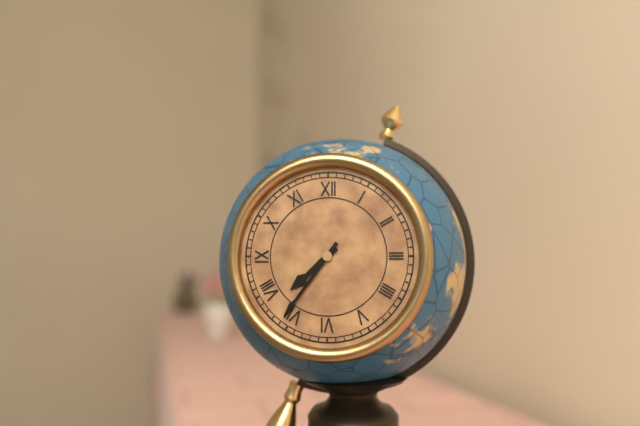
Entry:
h=7 m=36
